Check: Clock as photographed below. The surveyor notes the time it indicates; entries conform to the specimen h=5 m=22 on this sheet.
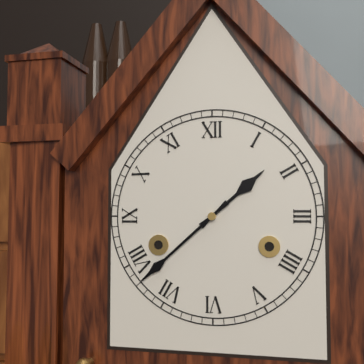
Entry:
h=1 m=38
